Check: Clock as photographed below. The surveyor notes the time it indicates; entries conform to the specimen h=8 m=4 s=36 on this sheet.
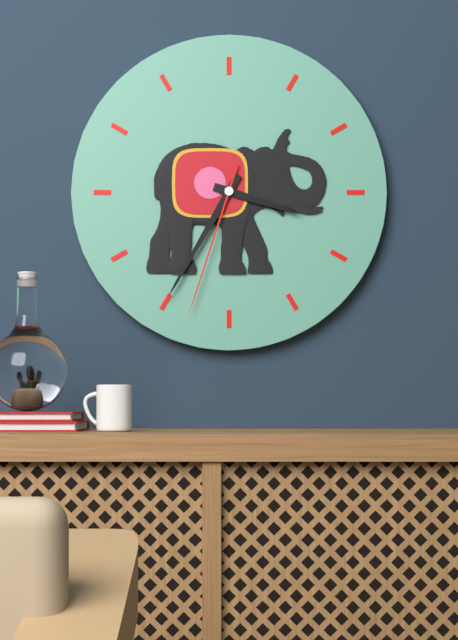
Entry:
h=3 m=35 s=33
